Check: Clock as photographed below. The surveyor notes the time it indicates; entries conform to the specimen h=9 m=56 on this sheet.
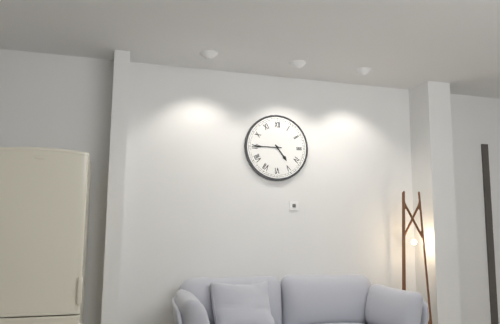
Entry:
h=4 m=45
